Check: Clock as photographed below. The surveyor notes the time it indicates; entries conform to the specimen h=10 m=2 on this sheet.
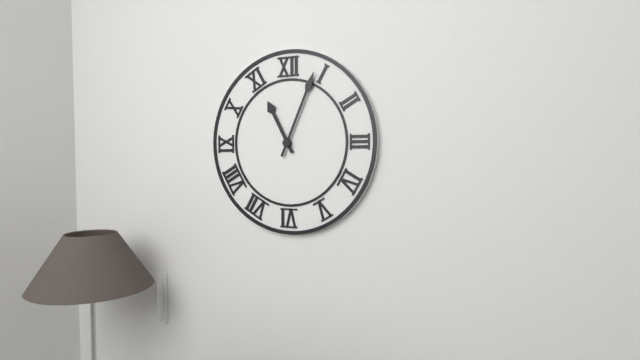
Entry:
h=11 m=4
